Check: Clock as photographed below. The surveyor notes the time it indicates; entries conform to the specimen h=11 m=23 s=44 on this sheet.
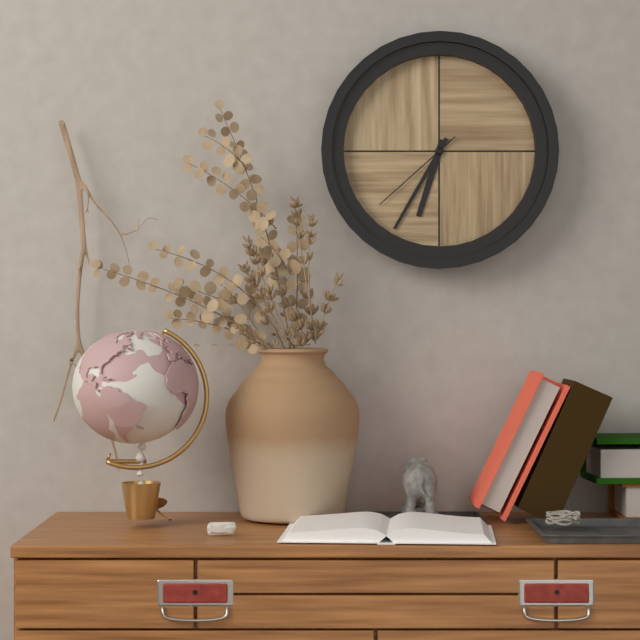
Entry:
h=6 m=35 s=38
